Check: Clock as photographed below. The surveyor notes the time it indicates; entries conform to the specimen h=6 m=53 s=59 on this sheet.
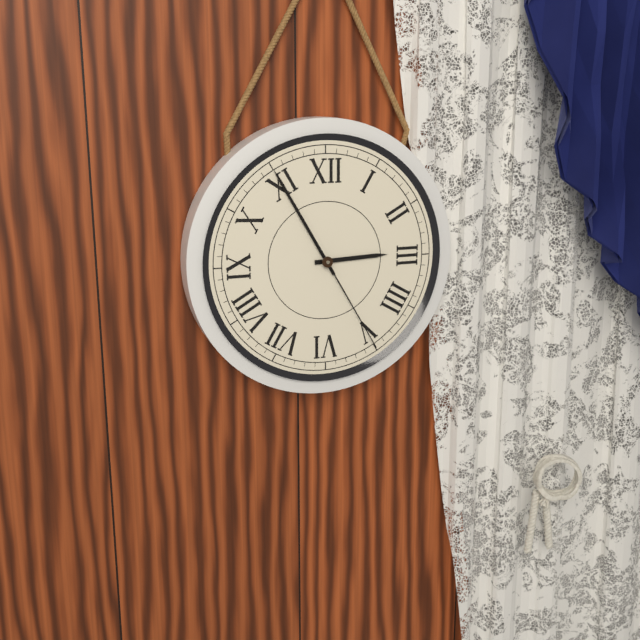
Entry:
h=2 m=55 s=25
